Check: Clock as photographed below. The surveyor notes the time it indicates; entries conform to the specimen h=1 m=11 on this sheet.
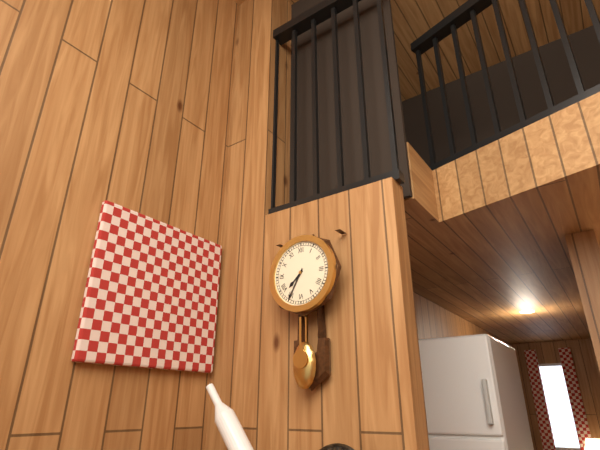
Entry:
h=7 m=35
